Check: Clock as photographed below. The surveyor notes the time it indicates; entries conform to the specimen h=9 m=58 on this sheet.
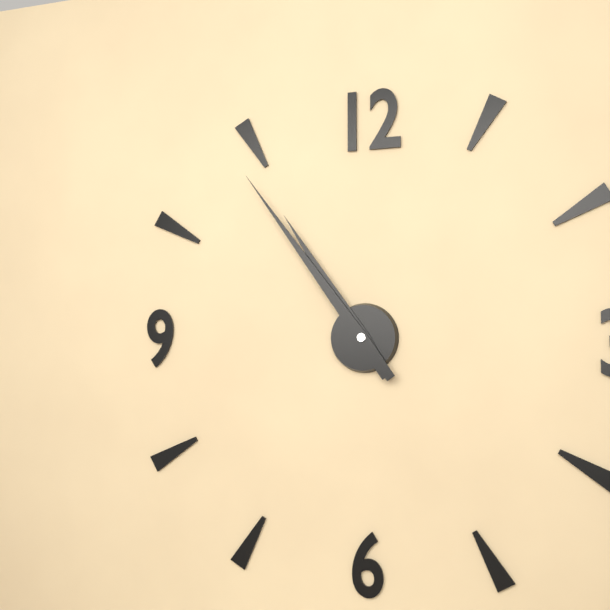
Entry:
h=10 m=54
